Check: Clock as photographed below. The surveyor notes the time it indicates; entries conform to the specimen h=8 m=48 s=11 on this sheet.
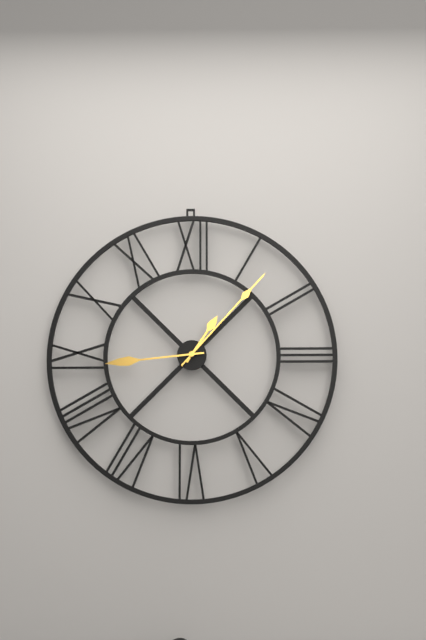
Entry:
h=1 m=7 s=44
